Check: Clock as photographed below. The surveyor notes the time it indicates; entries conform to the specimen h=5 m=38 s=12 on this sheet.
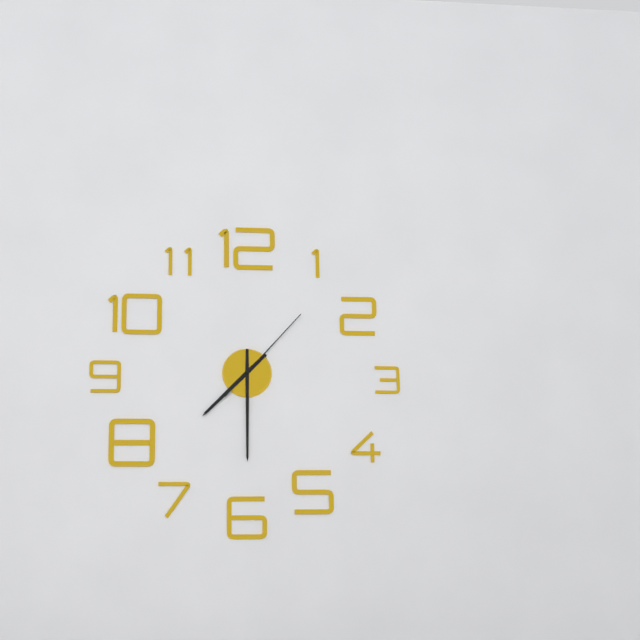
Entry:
h=7 m=30 s=7
